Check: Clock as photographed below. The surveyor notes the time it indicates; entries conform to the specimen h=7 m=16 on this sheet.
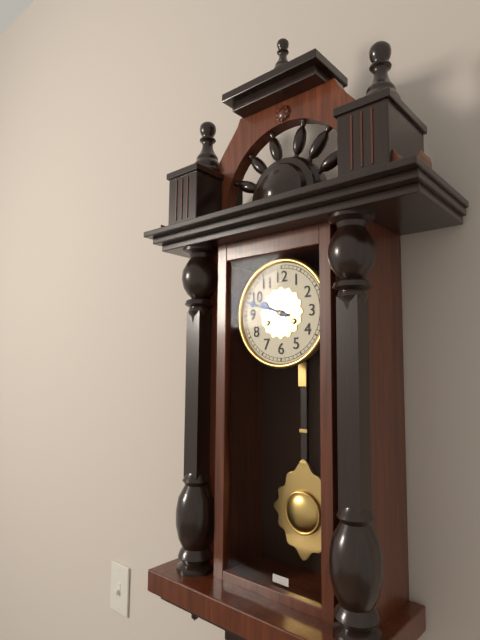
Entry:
h=9 m=48
